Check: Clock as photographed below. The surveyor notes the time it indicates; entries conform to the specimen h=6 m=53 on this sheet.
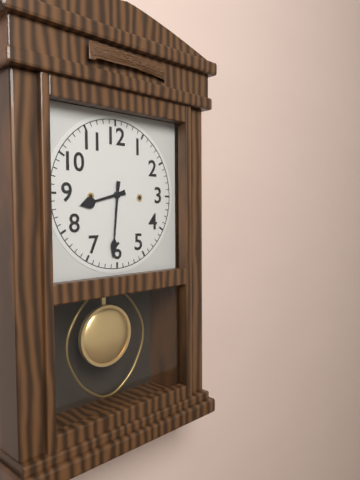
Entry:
h=8 m=31
